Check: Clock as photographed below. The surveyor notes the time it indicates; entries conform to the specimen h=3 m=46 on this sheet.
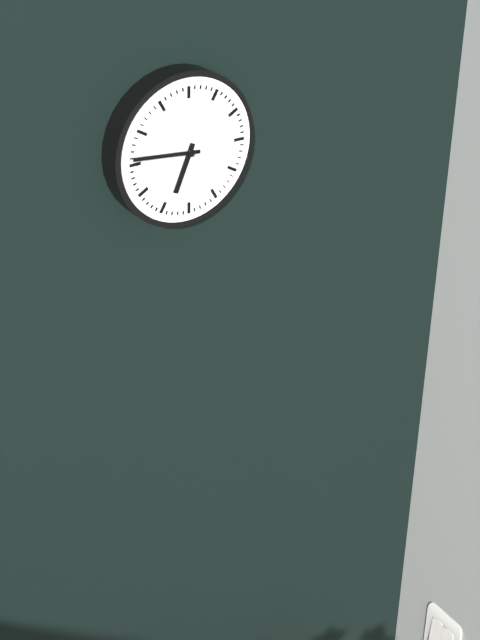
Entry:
h=6 m=46
